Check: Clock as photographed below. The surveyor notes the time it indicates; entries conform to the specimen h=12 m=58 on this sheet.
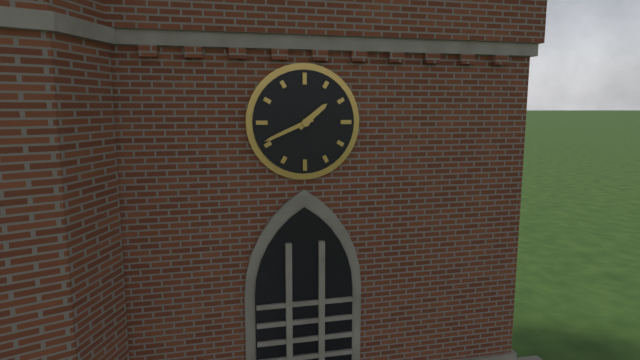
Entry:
h=1 m=41
